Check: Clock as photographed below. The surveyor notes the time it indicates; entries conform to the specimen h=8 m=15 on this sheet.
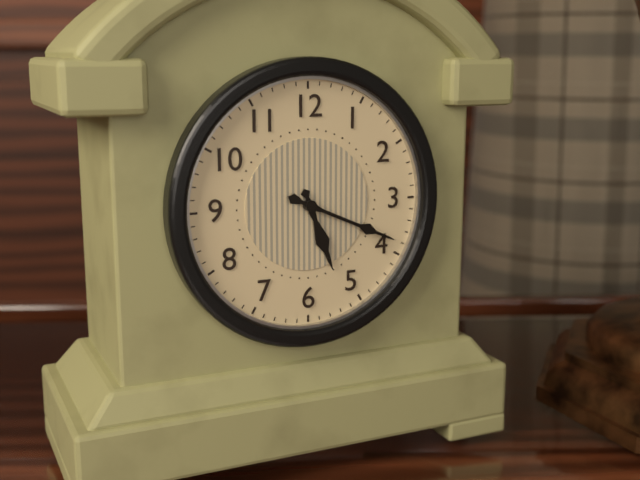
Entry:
h=5 m=19
